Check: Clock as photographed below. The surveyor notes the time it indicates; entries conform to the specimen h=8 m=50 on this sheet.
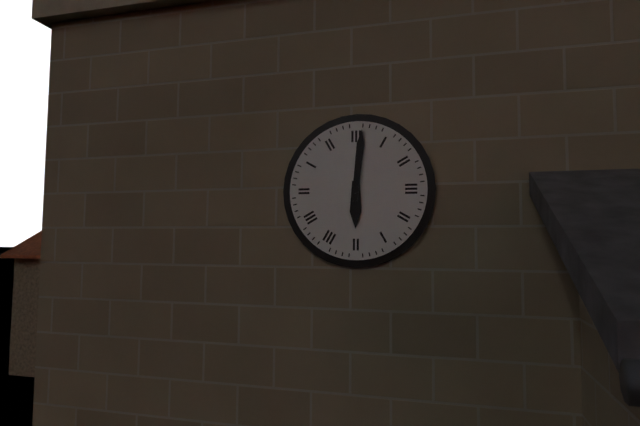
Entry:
h=6 m=1
